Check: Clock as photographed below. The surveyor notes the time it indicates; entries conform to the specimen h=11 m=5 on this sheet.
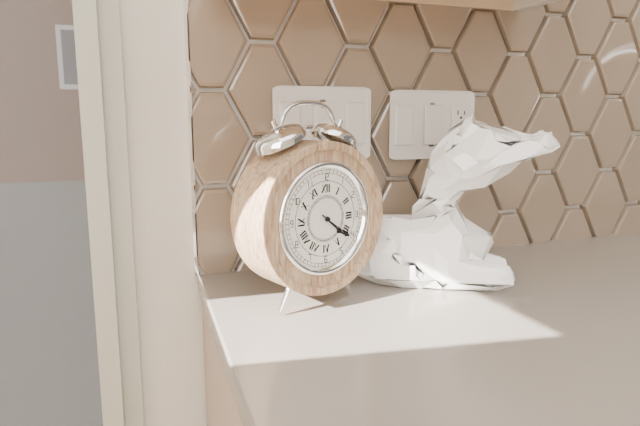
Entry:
h=4 m=21
